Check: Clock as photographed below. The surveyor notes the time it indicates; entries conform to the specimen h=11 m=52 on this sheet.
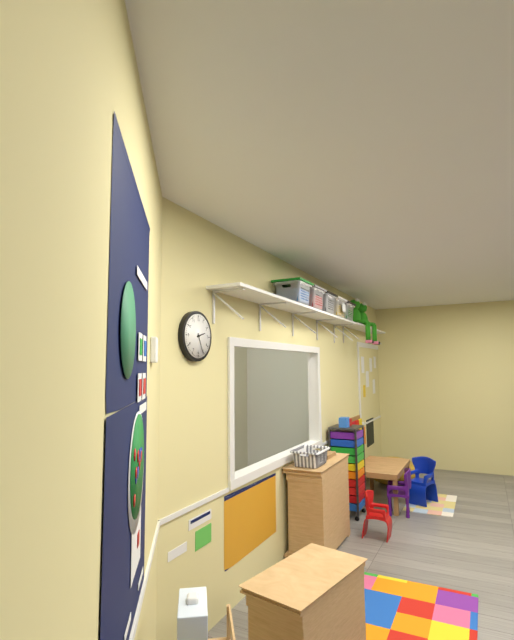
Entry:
h=2 m=26
